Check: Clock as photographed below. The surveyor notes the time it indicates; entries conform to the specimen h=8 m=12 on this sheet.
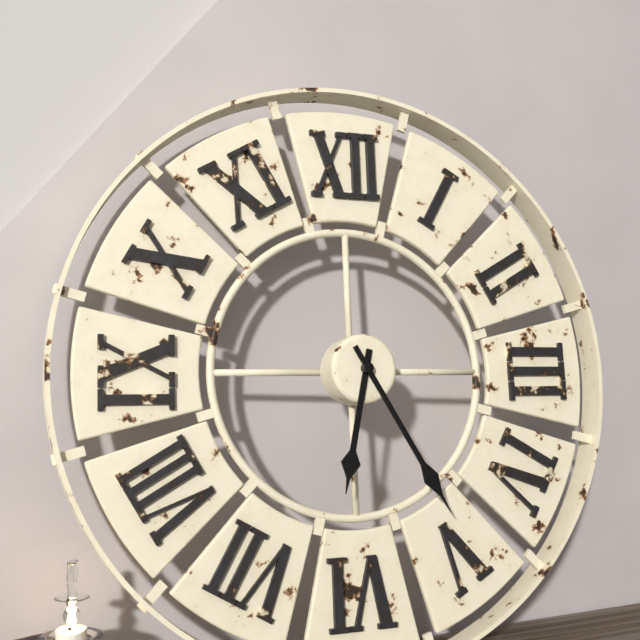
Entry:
h=6 m=25
